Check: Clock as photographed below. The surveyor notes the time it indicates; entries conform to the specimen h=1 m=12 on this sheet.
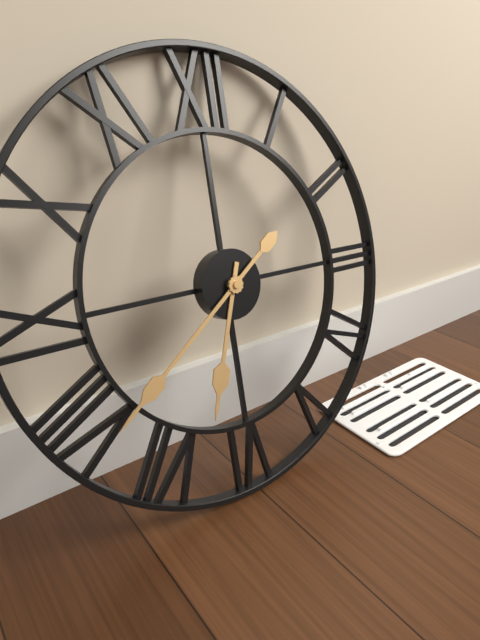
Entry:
h=6 m=39
